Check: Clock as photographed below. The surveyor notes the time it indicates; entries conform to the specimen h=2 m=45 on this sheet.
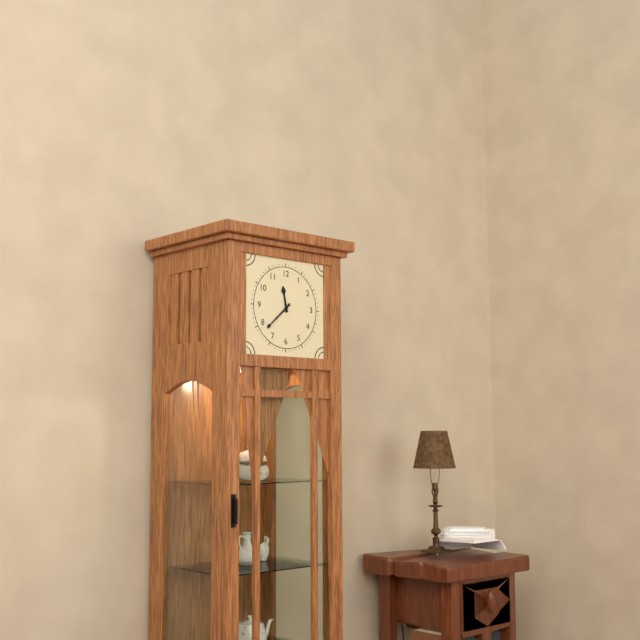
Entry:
h=11 m=38
